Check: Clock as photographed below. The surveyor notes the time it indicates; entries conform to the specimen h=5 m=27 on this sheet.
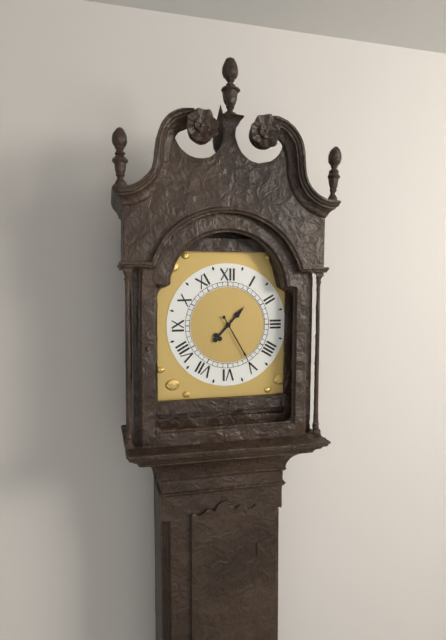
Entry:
h=1 m=25
